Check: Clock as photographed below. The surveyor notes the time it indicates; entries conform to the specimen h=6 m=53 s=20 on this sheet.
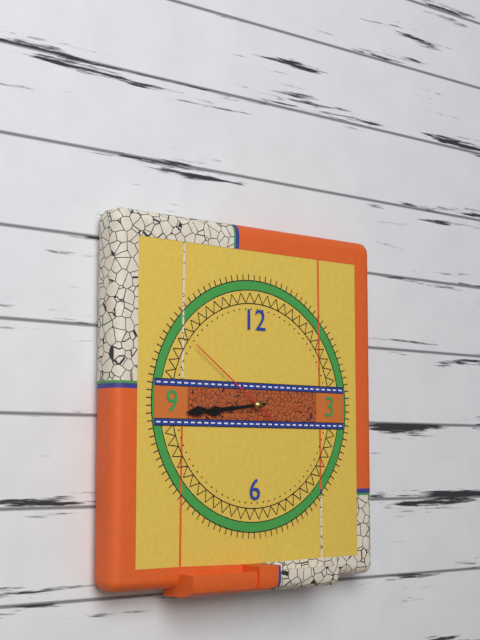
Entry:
h=8 m=44 s=51
